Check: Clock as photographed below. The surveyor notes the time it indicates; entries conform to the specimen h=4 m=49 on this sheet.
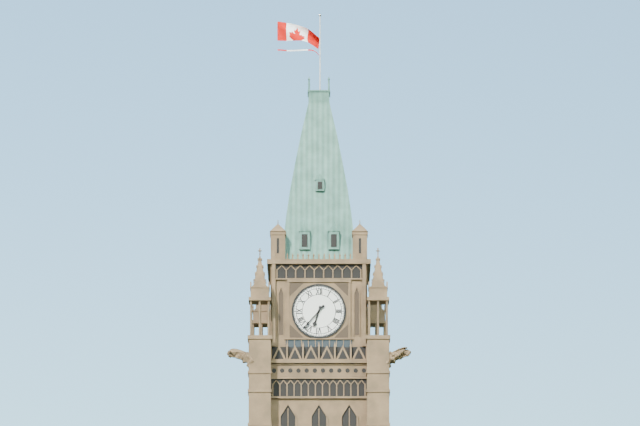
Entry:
h=6 m=37
